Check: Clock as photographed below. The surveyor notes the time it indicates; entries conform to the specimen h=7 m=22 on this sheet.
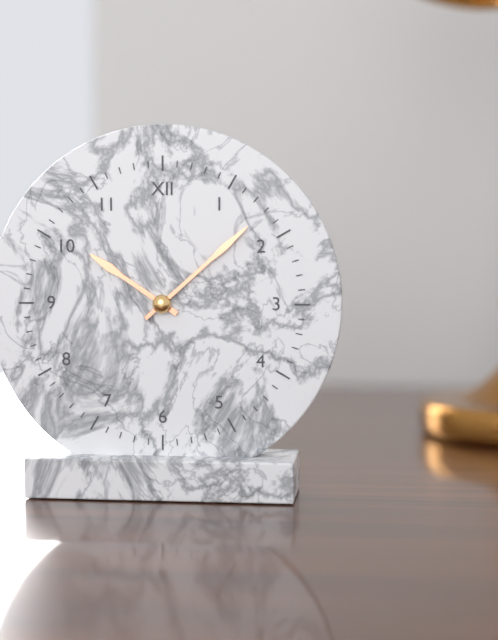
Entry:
h=10 m=8
